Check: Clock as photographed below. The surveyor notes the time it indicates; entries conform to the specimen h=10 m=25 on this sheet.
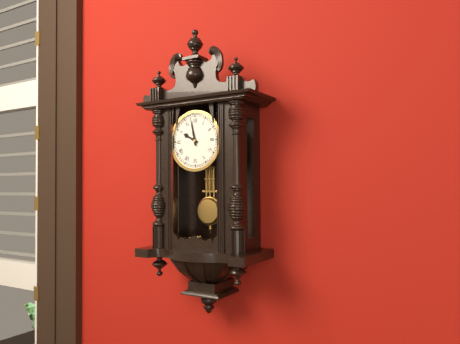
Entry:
h=9 m=58
